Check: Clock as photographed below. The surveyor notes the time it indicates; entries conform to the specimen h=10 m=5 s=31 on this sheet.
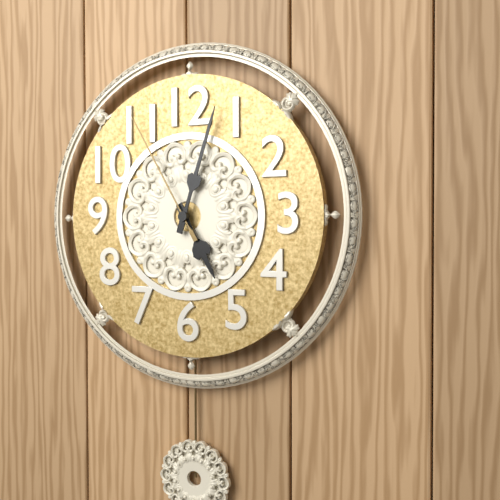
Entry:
h=5 m=3 s=55
